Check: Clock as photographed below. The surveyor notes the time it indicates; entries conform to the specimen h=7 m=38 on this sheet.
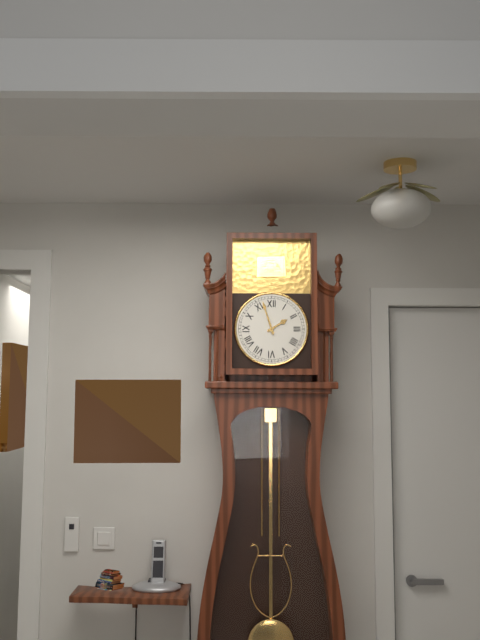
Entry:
h=1 m=57
